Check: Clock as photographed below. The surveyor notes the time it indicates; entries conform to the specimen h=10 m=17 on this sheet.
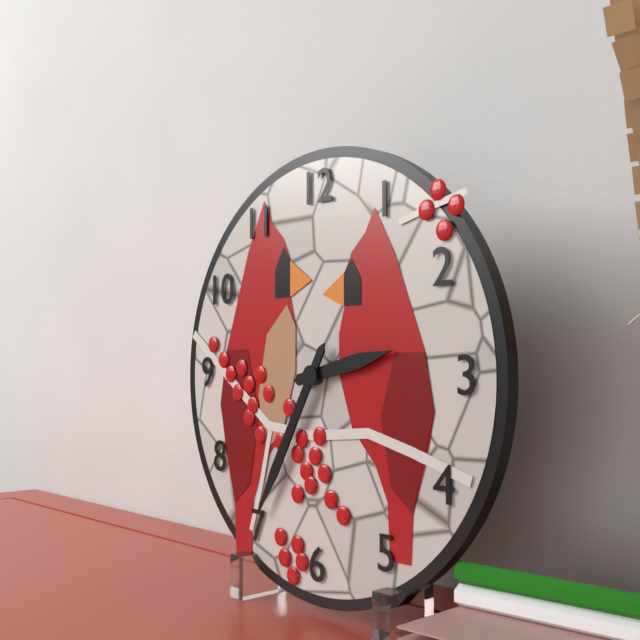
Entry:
h=2 m=35
